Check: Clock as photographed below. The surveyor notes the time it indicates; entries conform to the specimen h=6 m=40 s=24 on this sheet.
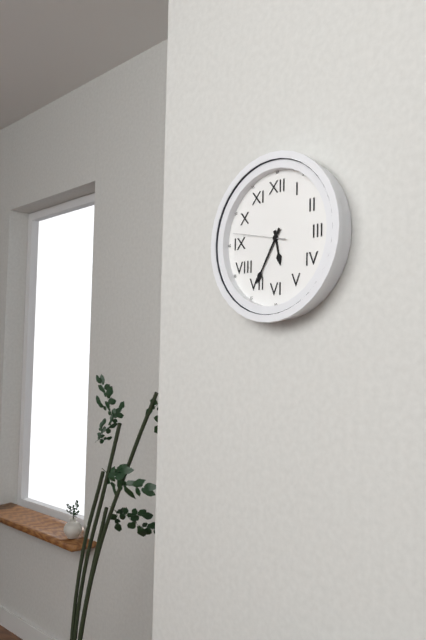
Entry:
h=5 m=35 s=47
